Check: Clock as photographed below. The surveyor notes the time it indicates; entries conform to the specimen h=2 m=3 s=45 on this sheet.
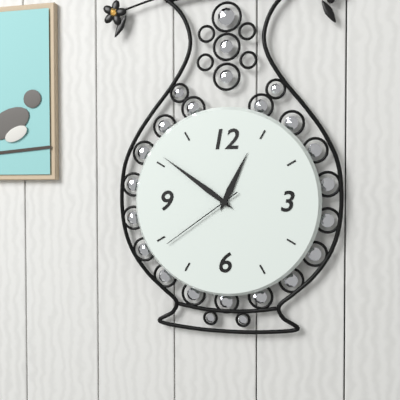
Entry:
h=12 m=51 s=39
